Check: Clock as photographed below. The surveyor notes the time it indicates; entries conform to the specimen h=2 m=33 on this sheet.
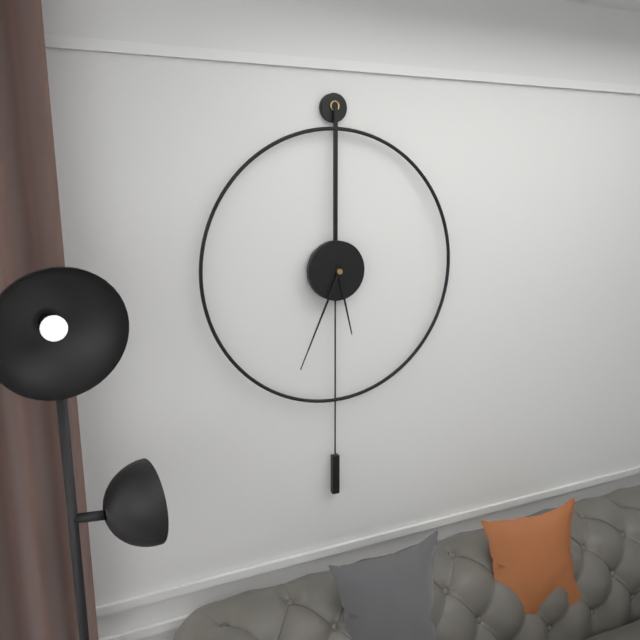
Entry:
h=5 m=34
